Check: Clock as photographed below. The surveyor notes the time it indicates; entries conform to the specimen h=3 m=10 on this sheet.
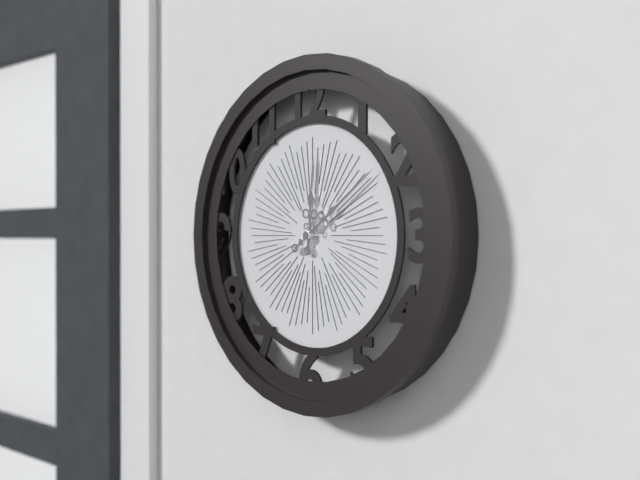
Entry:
h=12 m=9
